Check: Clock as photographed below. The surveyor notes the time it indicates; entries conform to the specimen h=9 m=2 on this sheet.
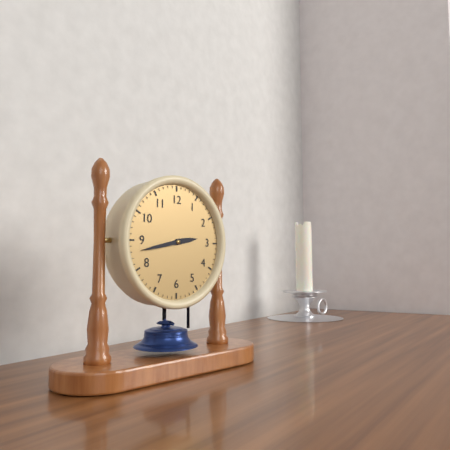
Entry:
h=2 m=43
